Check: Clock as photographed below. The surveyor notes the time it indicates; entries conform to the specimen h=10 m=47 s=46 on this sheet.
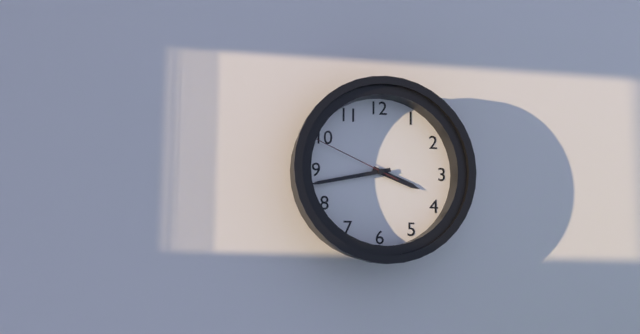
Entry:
h=3 m=43 s=49
